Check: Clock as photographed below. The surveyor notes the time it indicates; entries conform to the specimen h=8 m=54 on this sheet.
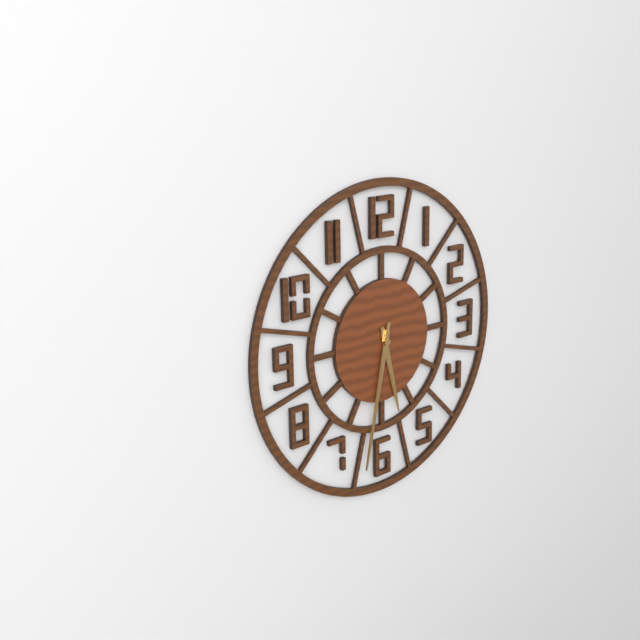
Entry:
h=5 m=32
